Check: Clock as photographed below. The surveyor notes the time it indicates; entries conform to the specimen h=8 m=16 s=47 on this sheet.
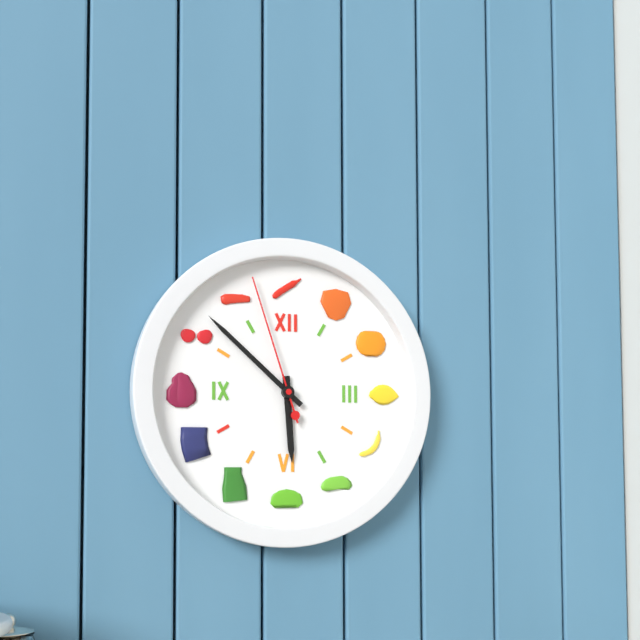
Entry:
h=5 m=52 s=57
